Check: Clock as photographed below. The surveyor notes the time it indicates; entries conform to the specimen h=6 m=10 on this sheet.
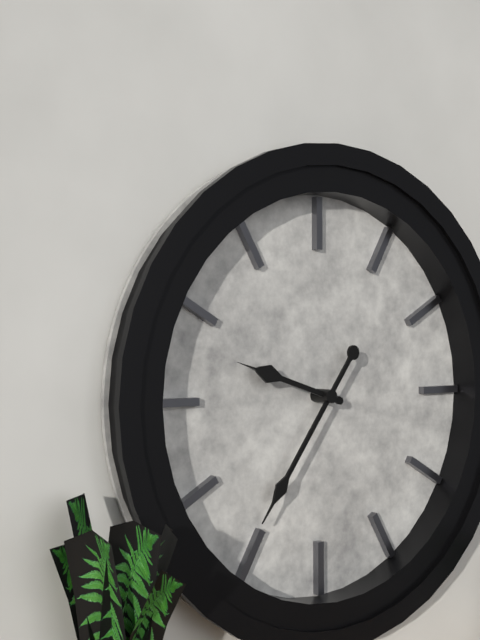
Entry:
h=9 m=36
